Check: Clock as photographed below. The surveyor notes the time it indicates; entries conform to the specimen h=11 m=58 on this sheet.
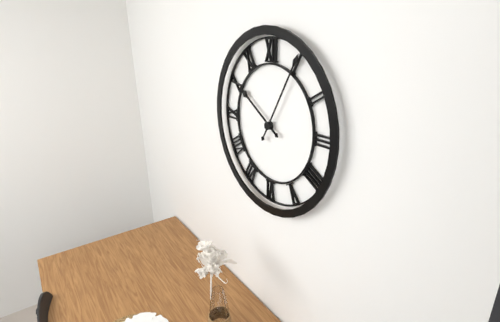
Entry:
h=10 m=5
